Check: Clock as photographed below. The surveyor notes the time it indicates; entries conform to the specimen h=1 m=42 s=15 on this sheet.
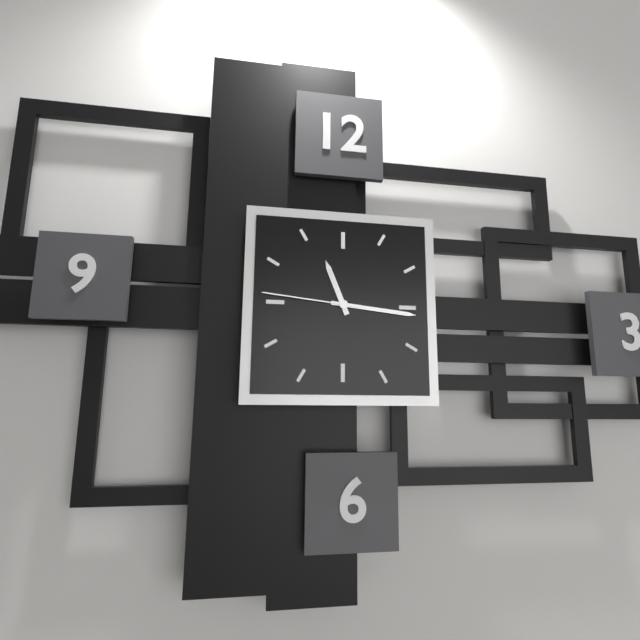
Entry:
h=11 m=16 s=46
